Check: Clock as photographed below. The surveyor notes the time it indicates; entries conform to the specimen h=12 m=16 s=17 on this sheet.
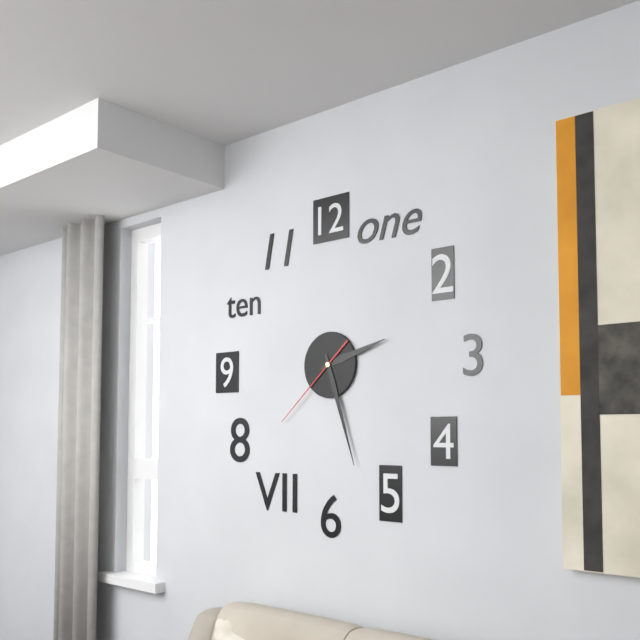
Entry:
h=2 m=27 s=38
